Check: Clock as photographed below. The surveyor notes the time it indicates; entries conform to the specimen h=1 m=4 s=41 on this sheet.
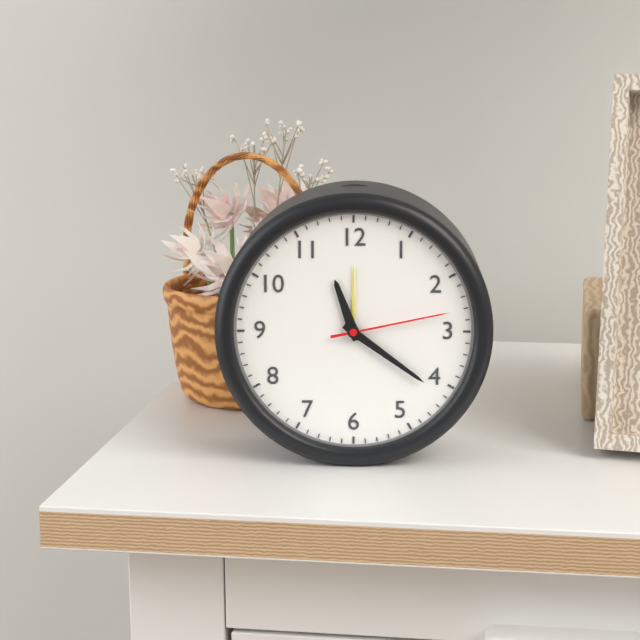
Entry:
h=11 m=21 s=13
